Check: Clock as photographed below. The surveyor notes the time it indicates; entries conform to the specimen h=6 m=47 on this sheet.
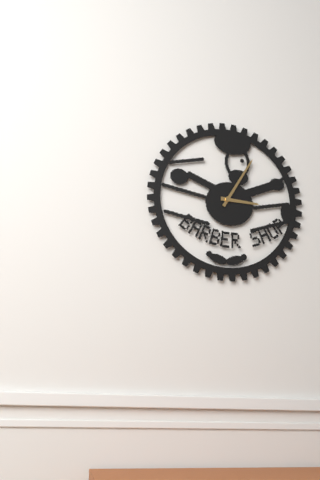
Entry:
h=3 m=5
